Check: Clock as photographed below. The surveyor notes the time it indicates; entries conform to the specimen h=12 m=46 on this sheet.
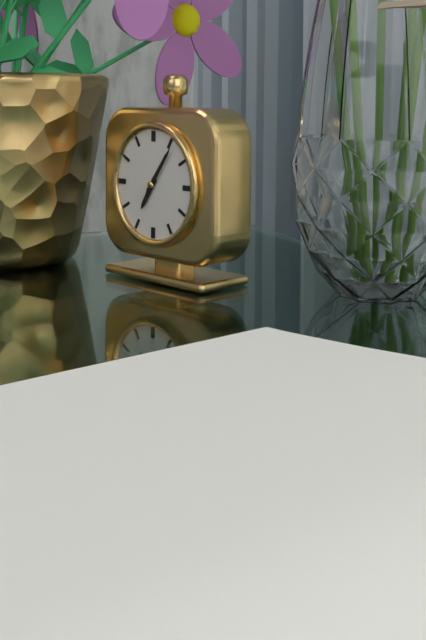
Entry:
h=7 m=6
